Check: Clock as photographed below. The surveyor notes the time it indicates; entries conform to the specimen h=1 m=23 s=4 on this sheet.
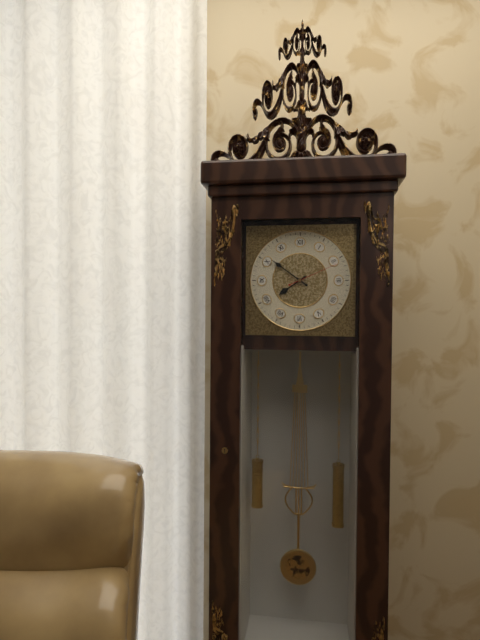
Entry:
h=7 m=51 s=11
